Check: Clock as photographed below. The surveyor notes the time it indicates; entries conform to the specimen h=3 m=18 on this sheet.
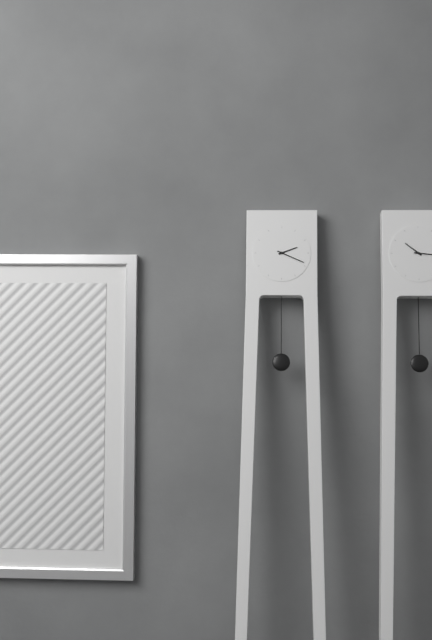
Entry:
h=2 m=19
